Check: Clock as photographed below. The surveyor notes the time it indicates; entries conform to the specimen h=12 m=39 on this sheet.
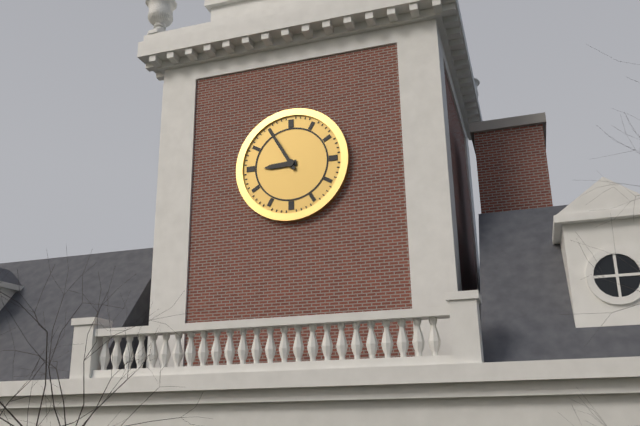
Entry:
h=8 m=55
